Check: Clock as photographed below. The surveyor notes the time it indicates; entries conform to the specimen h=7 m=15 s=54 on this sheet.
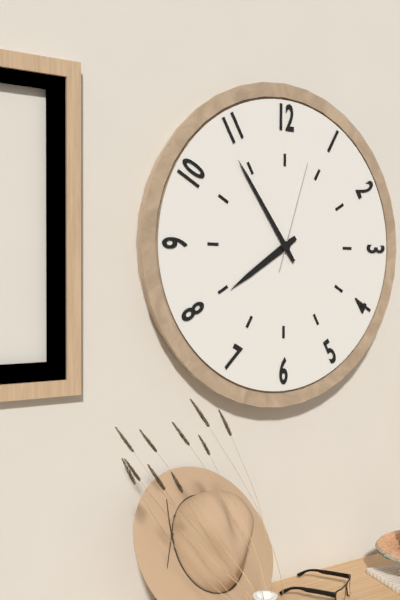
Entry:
h=7 m=54 s=3
